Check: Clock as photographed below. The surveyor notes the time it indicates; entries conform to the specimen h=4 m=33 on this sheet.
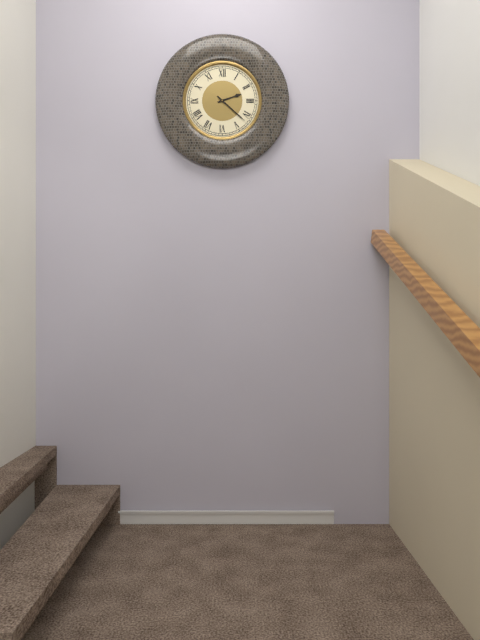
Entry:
h=2 m=22
